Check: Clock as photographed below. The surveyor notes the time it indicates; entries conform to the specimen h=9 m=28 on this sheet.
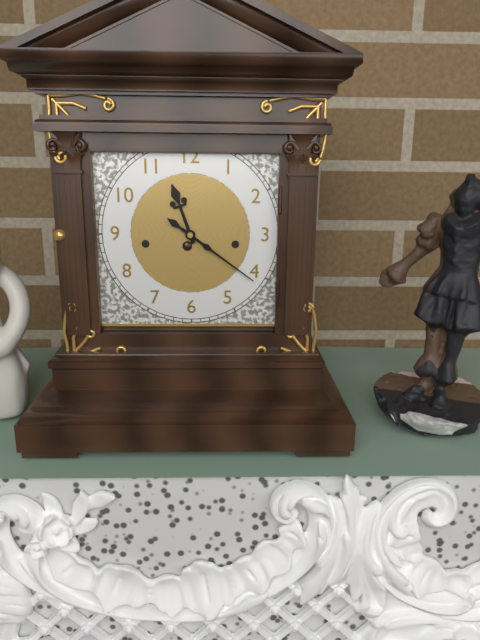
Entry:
h=11 m=21
